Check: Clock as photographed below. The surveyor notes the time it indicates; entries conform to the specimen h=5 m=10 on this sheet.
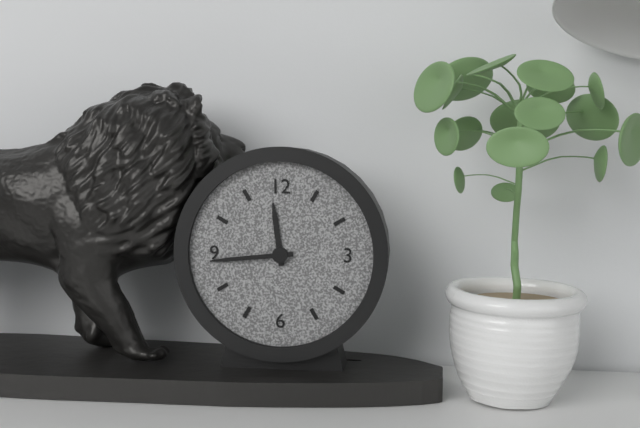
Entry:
h=11 m=44
